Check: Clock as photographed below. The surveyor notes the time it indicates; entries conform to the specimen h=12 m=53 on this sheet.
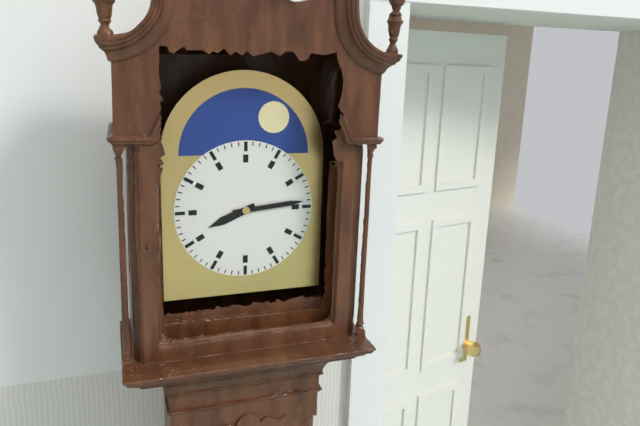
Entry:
h=8 m=14
